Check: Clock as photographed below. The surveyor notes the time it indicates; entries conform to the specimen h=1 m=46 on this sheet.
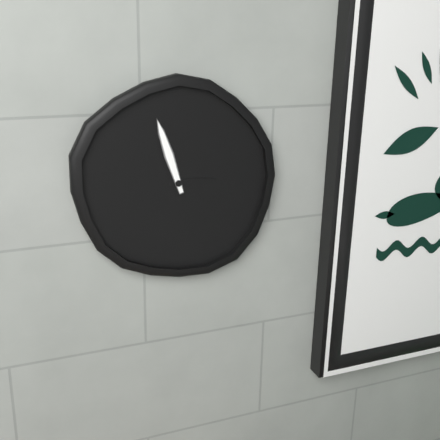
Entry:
h=2 m=57
